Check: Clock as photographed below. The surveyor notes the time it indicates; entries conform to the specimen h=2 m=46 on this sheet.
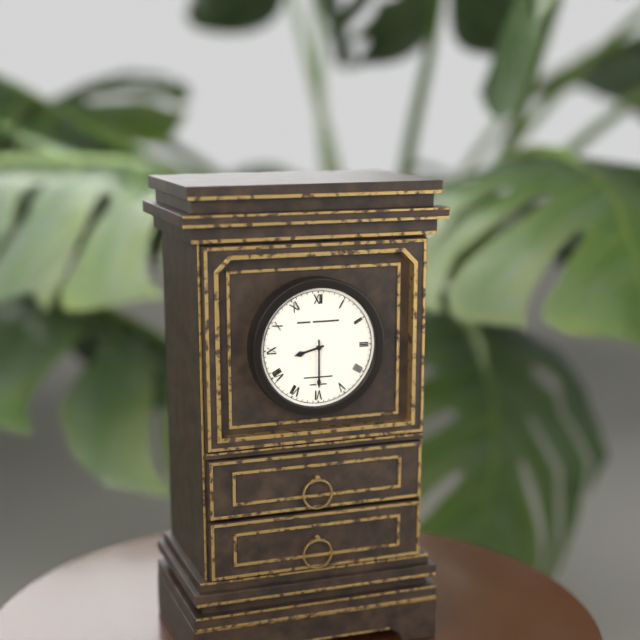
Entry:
h=8 m=30
